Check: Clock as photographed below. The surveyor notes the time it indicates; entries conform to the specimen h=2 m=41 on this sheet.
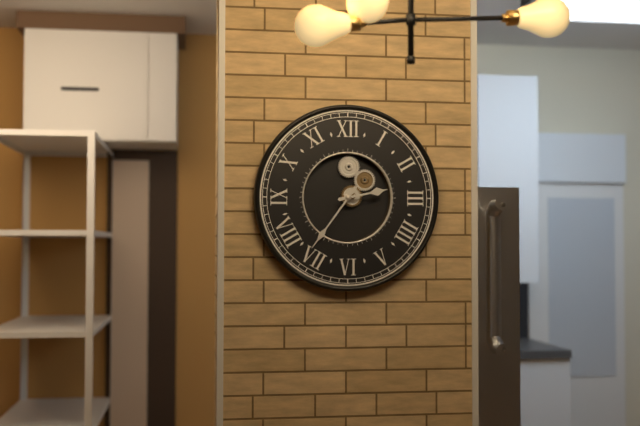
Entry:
h=2 m=36
